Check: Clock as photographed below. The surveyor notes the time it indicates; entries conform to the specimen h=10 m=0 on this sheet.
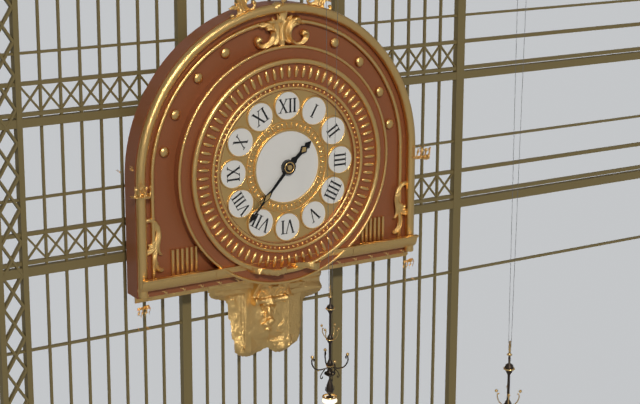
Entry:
h=1 m=37
